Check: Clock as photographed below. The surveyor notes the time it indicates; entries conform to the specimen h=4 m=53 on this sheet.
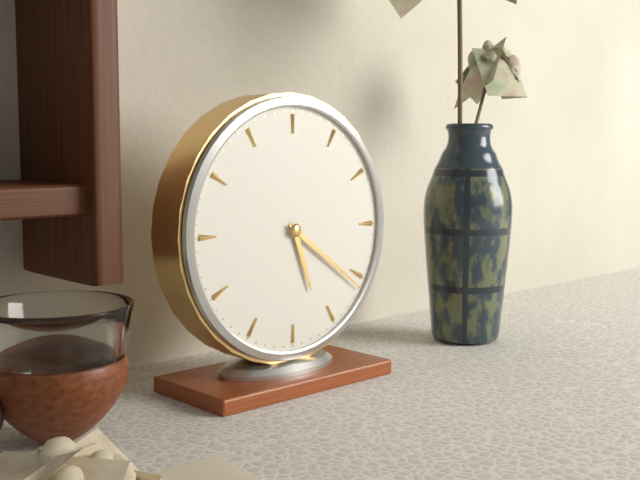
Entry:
h=5 m=21
